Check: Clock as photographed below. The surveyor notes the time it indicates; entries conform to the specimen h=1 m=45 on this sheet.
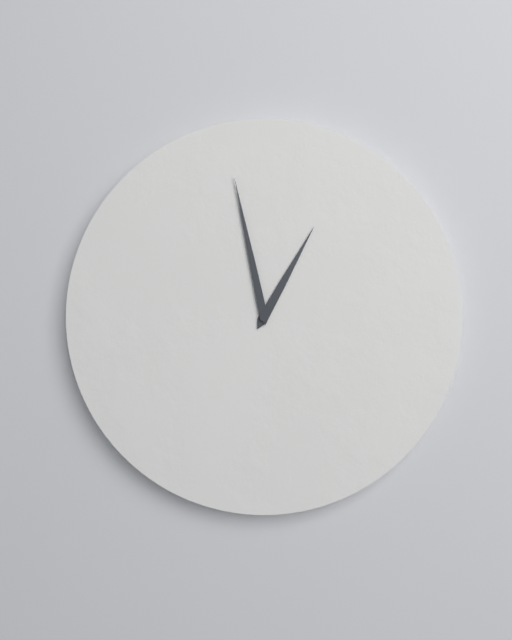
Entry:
h=12 m=58
